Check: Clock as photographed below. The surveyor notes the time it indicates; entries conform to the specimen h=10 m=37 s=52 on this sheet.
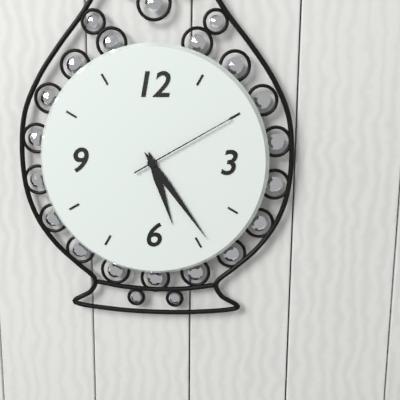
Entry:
h=5 m=24 s=10
